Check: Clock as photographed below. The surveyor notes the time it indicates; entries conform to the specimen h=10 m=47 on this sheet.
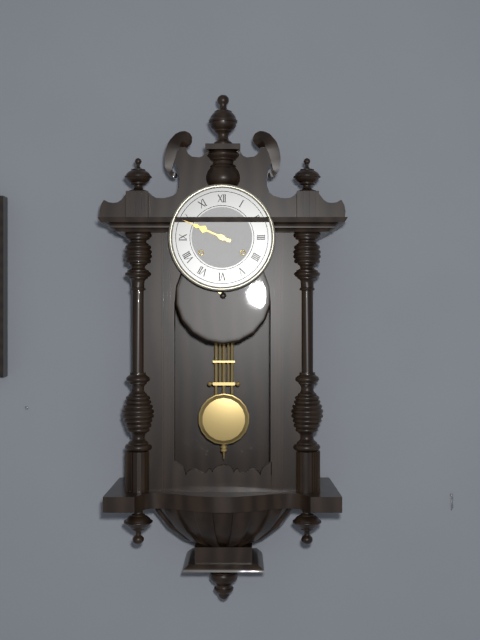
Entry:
h=9 m=49
